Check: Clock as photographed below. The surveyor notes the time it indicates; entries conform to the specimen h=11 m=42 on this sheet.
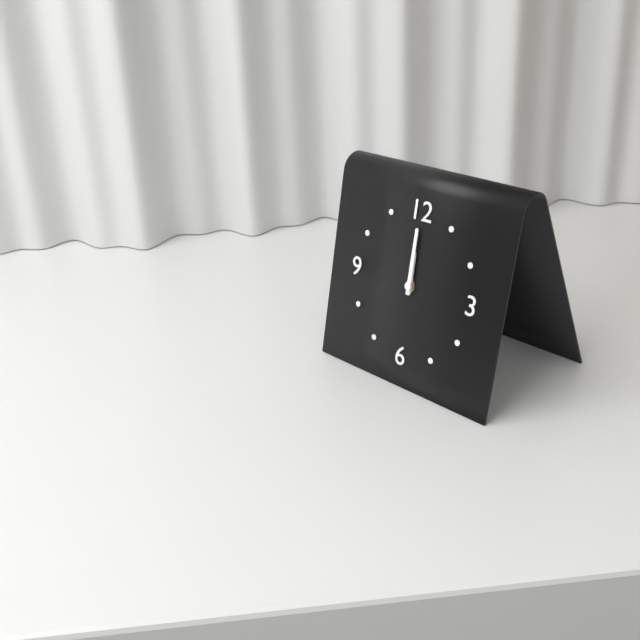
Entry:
h=12 m=0
